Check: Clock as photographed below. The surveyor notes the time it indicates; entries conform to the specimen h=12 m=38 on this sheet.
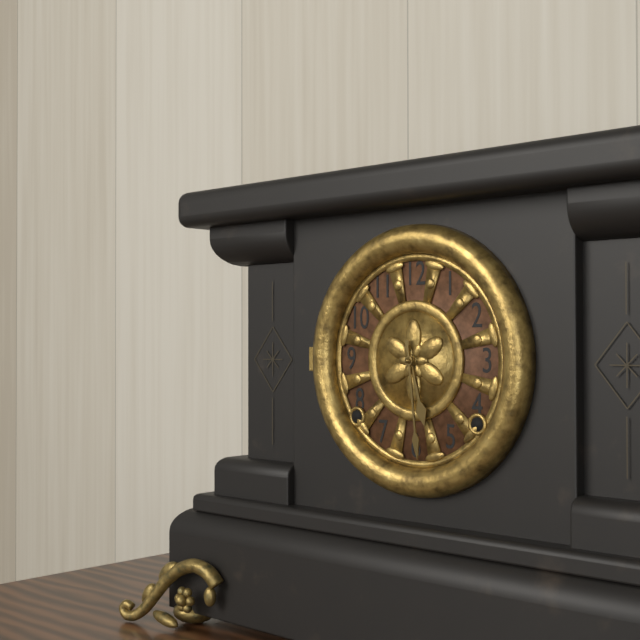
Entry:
h=5 m=29
